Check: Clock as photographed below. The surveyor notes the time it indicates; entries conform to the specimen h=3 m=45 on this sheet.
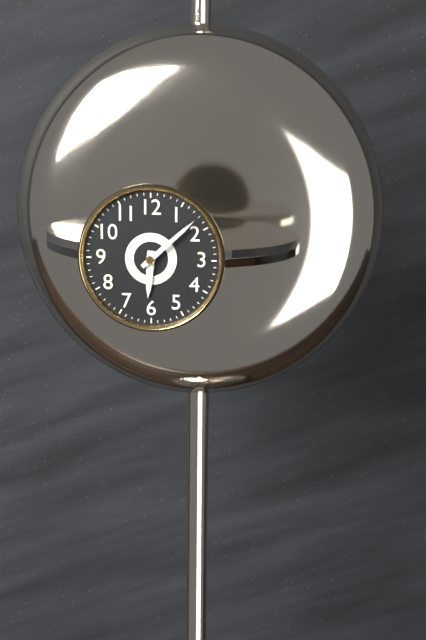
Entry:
h=6 m=8
